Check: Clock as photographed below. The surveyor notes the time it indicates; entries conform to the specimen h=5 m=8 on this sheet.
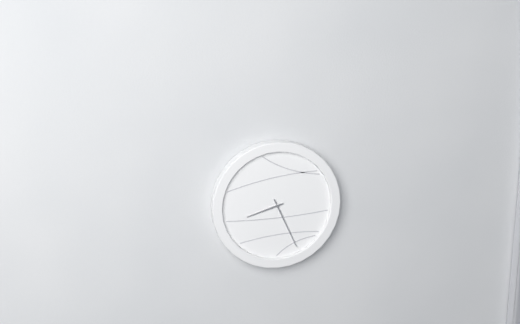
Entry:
h=8 m=26
